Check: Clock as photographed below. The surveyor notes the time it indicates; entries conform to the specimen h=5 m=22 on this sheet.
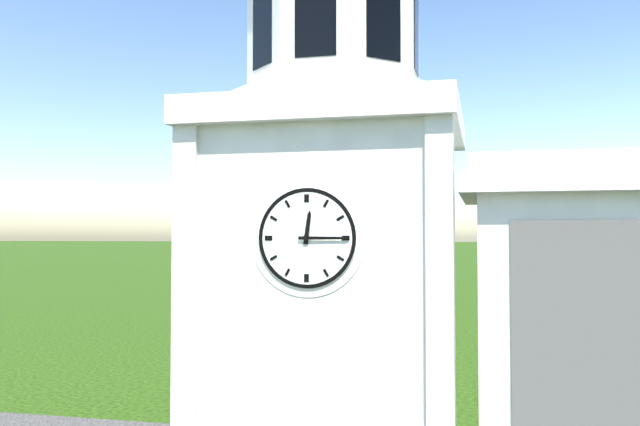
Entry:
h=12 m=15
